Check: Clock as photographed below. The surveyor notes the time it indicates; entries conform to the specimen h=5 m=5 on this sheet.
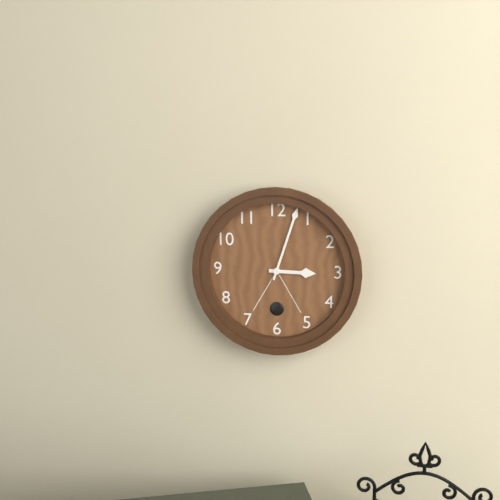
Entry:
h=3 m=3
